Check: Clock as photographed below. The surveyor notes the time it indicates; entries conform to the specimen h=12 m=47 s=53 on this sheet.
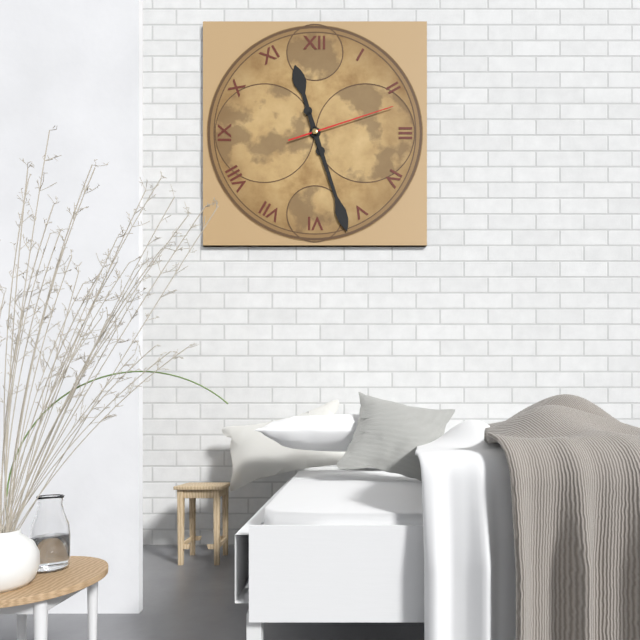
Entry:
h=11 m=27 s=12
